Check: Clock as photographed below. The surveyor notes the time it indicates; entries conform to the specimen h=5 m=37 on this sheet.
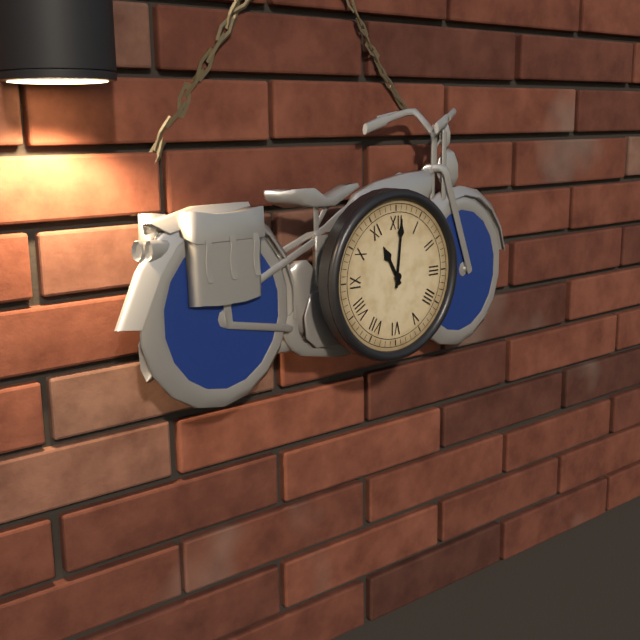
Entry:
h=11 m=1
